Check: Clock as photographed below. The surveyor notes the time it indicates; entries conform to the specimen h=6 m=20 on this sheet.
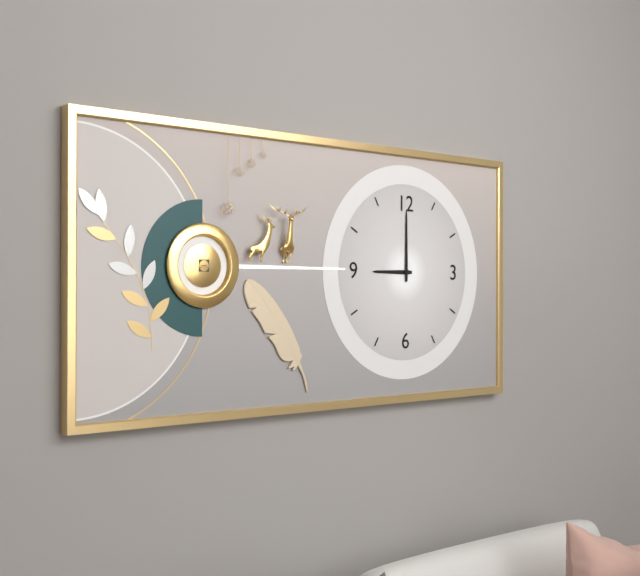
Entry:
h=9 m=0
